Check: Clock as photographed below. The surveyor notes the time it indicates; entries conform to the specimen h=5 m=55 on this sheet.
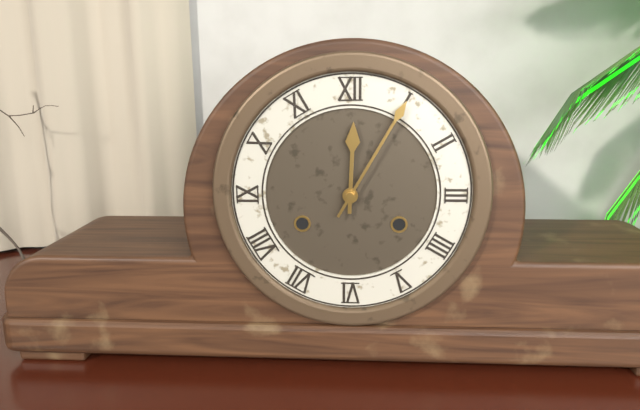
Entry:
h=12 m=5
